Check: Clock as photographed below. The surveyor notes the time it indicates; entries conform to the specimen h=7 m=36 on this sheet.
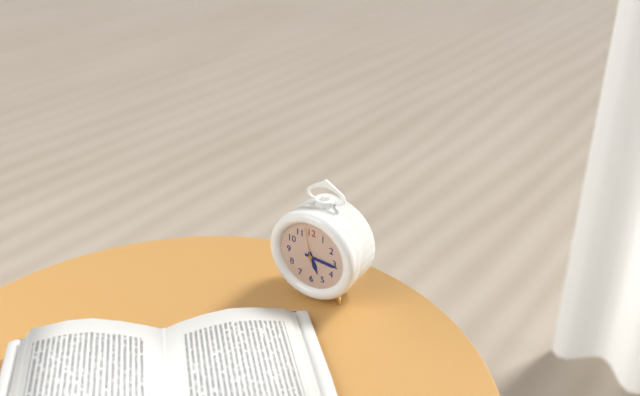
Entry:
h=5 m=16
